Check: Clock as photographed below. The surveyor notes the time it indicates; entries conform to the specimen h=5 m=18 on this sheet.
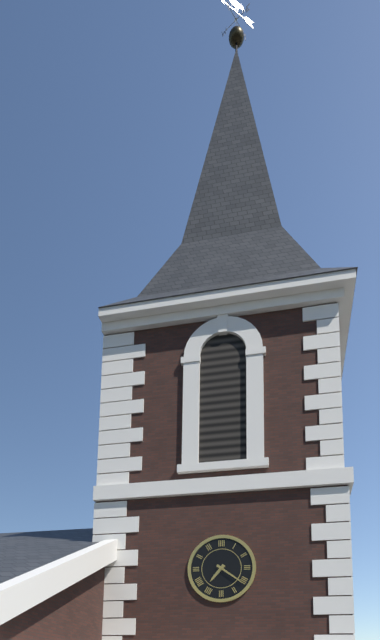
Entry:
h=7 m=21
